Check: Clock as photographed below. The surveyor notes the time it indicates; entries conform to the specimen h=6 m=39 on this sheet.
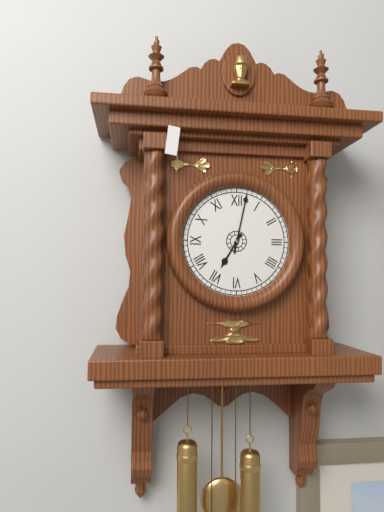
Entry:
h=7 m=2
